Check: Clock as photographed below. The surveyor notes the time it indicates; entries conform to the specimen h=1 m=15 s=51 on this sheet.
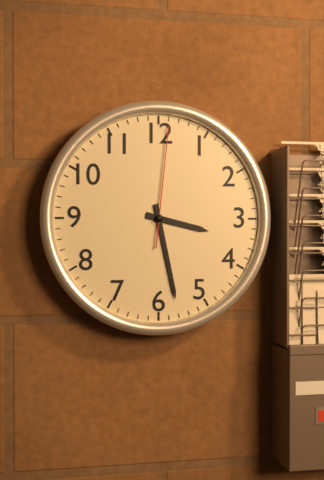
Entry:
h=3 m=28 s=1
